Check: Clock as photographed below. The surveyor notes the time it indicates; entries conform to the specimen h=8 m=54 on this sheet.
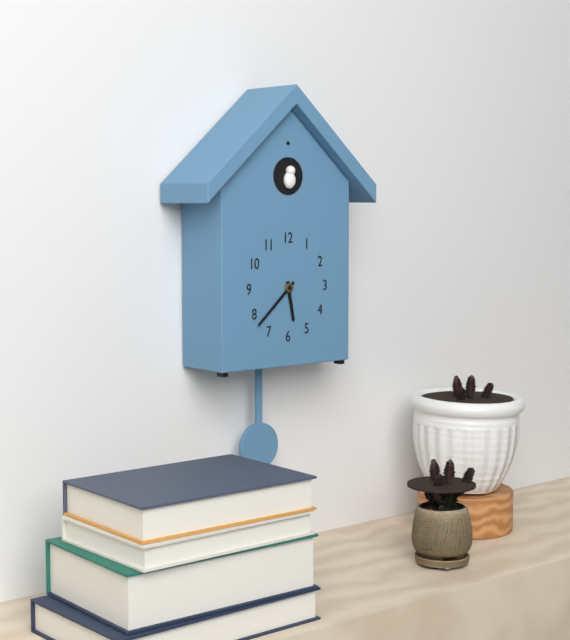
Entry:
h=5 m=38
